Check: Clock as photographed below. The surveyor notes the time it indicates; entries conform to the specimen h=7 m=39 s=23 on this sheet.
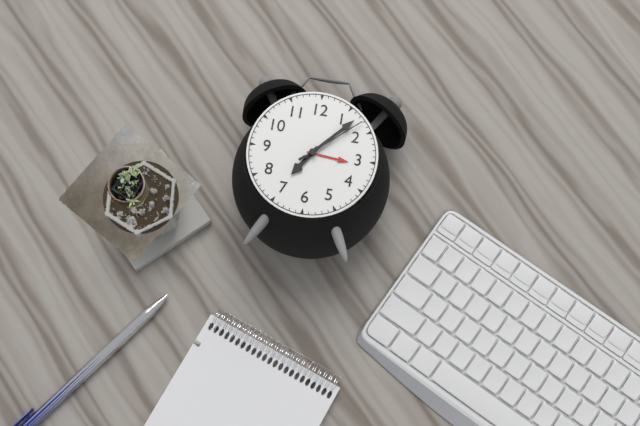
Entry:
h=7 m=7 s=8
